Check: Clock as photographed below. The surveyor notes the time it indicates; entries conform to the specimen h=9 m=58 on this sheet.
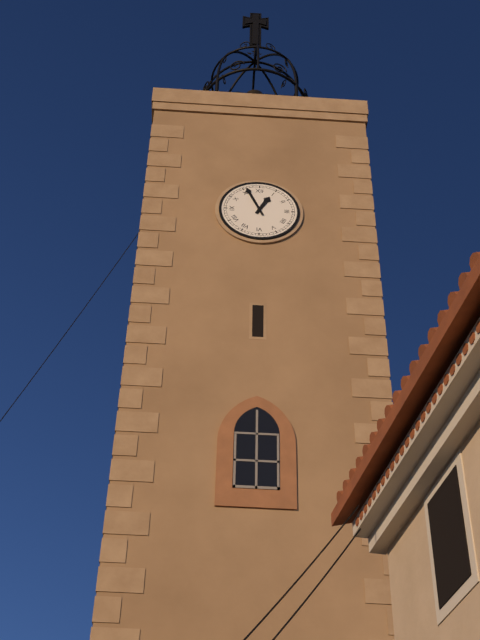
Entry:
h=12 m=56
